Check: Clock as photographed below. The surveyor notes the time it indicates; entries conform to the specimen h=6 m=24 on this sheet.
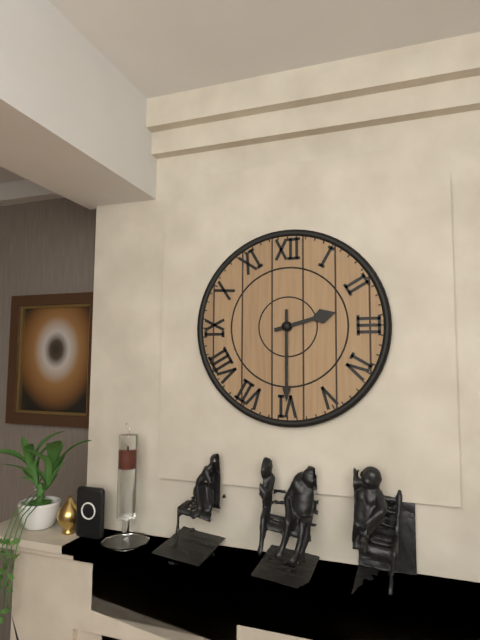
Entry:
h=2 m=30
